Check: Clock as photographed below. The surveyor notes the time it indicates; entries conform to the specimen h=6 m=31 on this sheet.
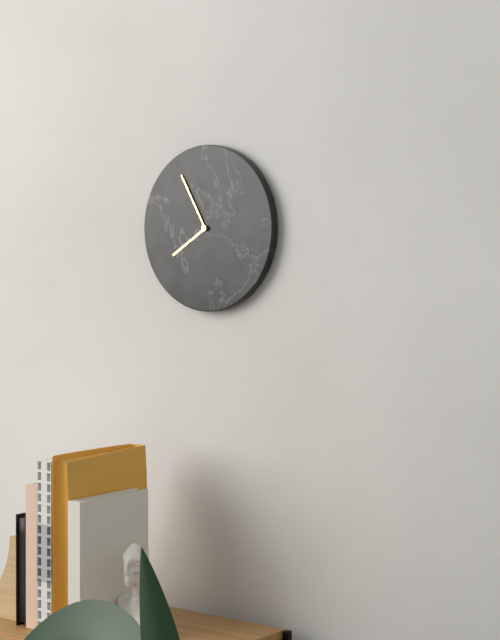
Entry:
h=7 m=55
